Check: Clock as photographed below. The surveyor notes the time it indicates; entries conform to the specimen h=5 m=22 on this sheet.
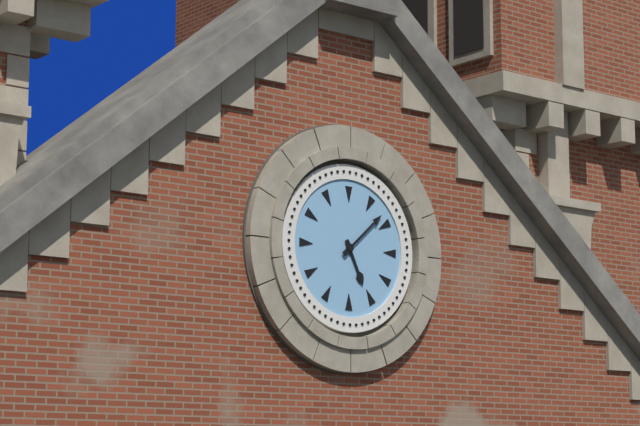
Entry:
h=5 m=8
